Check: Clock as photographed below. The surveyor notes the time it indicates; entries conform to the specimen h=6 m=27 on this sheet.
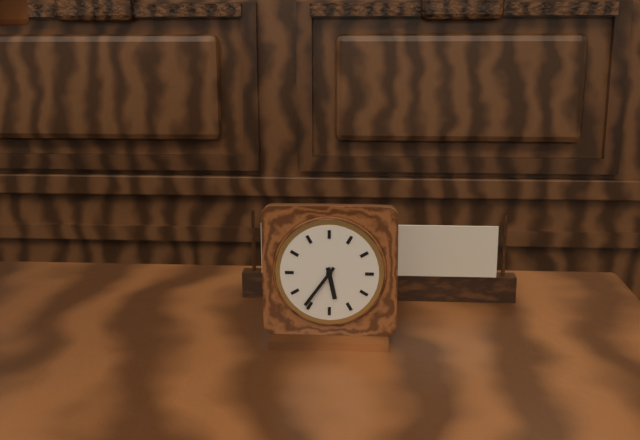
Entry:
h=5 m=36
